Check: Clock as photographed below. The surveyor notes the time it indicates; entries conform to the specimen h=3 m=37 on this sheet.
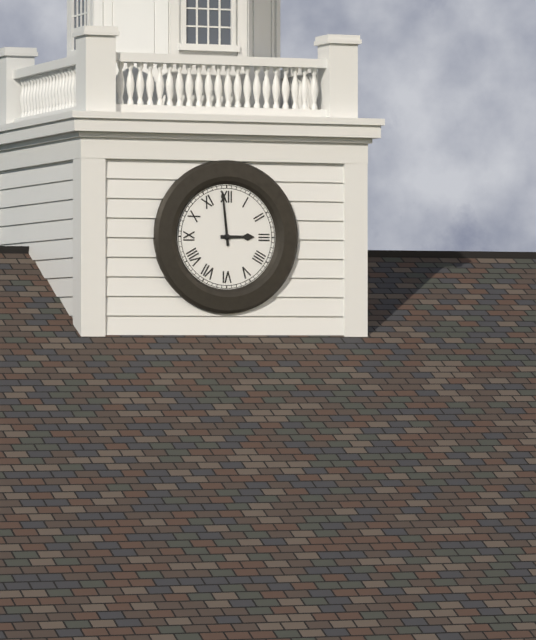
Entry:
h=2 m=59
